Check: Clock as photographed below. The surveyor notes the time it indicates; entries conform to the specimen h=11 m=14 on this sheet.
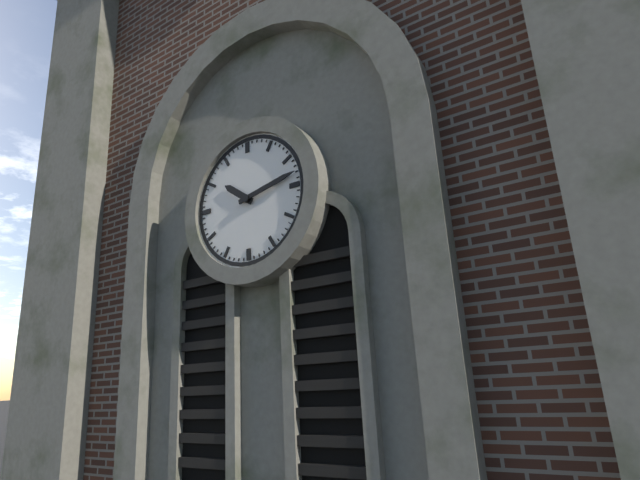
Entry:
h=10 m=13
